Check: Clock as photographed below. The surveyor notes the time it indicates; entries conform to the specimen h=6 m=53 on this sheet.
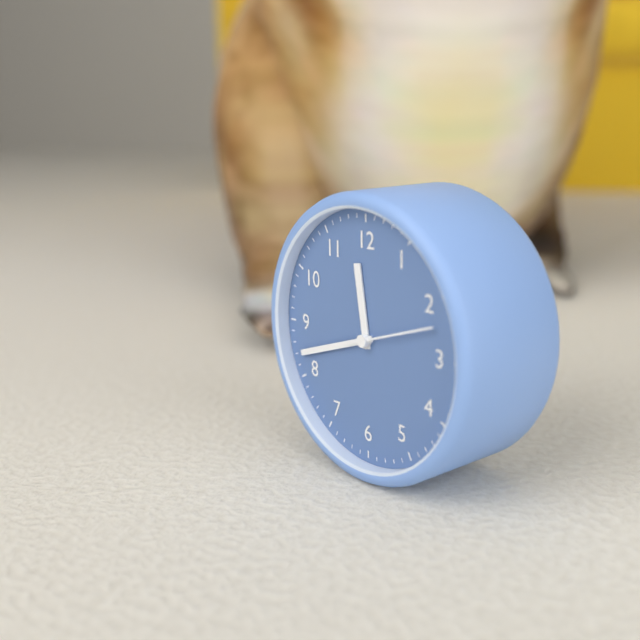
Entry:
h=11 m=42
